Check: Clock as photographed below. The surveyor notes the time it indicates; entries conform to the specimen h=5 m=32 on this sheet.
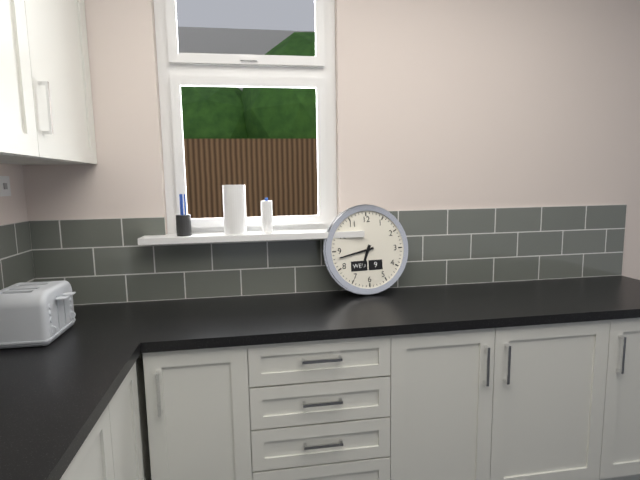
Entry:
h=6 m=43
